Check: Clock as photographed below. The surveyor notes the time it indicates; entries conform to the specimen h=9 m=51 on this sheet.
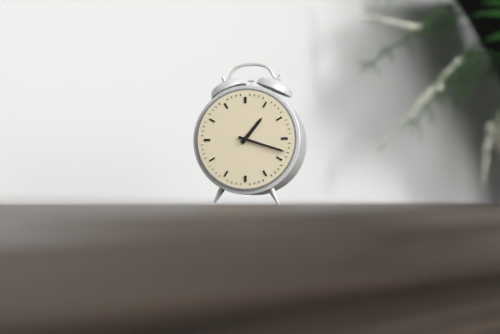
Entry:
h=1 m=18
